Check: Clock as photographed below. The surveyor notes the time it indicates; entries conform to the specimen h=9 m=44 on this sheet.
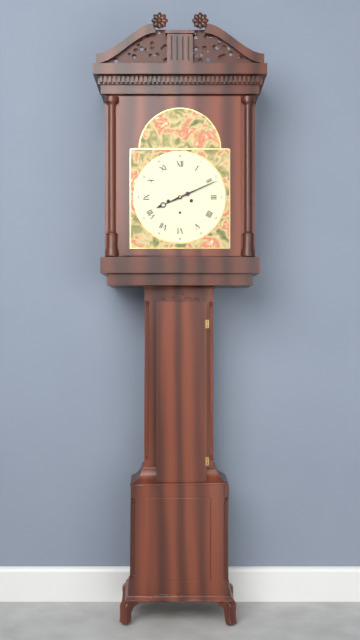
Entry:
h=8 m=11
